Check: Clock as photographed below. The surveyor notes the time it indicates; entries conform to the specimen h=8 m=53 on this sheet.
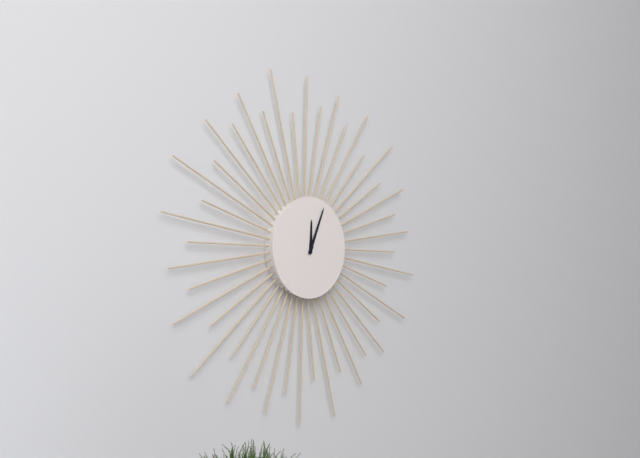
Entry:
h=12 m=4
